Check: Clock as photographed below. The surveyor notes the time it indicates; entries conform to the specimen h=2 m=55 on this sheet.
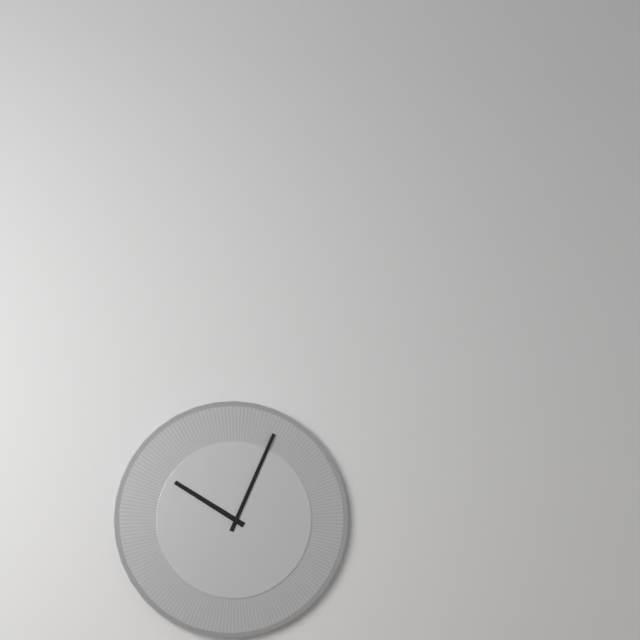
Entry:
h=10 m=4
